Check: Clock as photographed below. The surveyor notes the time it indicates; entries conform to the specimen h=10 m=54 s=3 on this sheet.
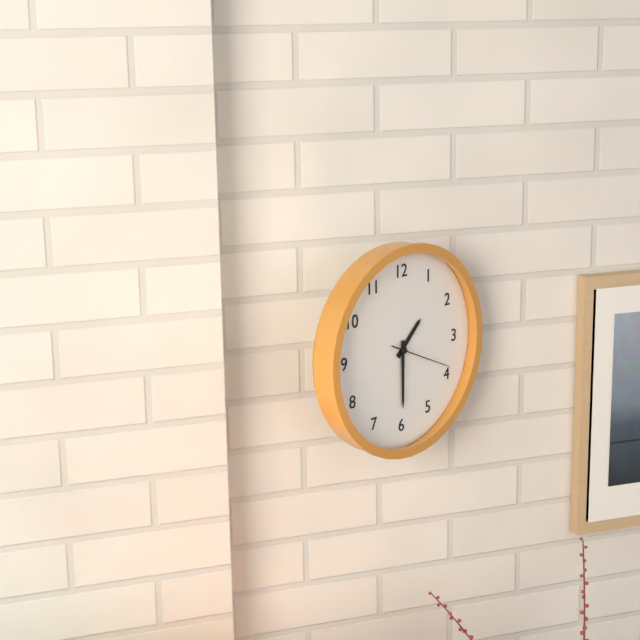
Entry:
h=1 m=30 s=19
